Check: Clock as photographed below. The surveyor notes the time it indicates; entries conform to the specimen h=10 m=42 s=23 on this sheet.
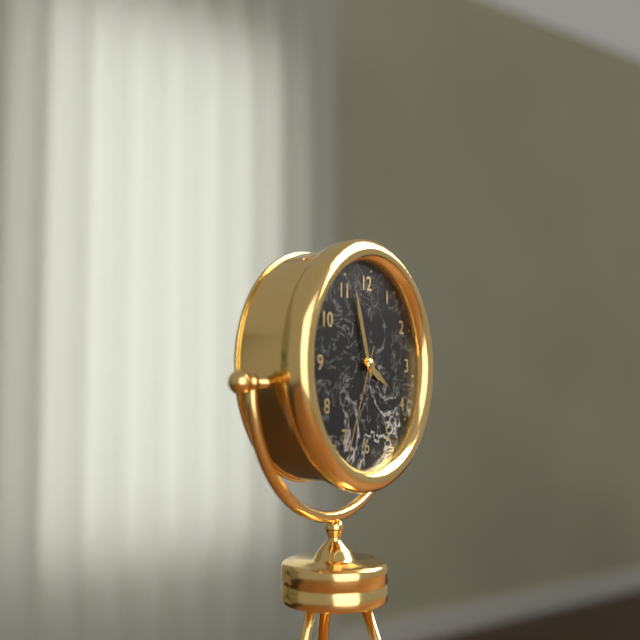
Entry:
h=3 m=57 s=34
